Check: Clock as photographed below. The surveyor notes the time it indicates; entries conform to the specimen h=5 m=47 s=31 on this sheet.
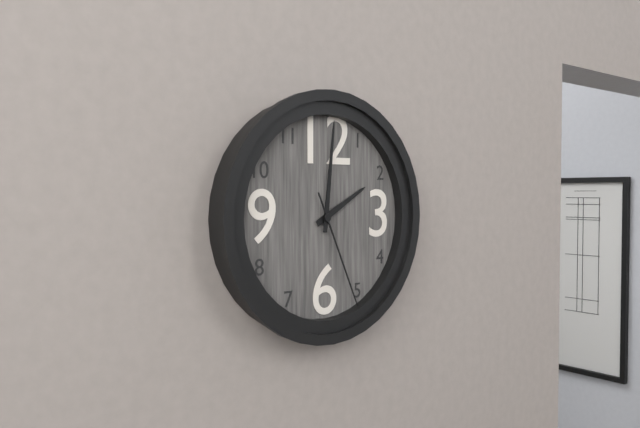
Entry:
h=2 m=1 s=26
